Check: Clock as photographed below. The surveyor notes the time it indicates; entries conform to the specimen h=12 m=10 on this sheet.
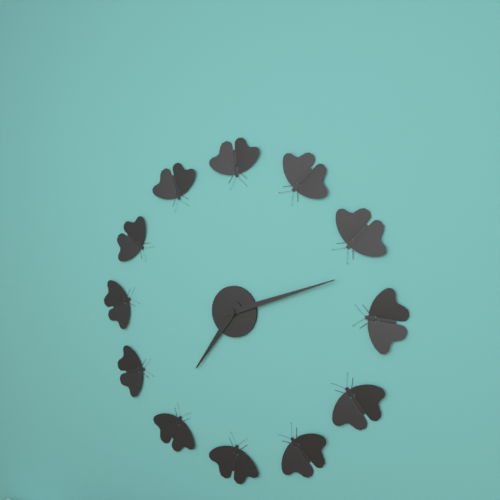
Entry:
h=7 m=12
